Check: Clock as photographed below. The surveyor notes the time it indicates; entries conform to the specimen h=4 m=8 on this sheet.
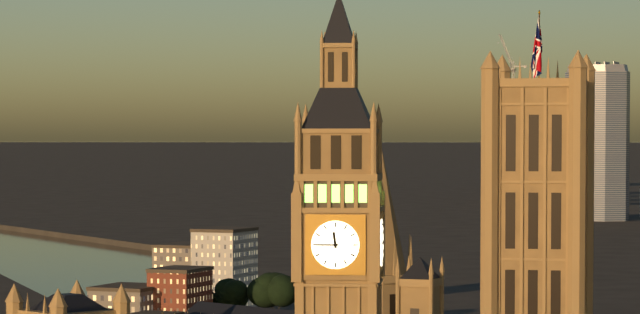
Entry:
h=11 m=45
